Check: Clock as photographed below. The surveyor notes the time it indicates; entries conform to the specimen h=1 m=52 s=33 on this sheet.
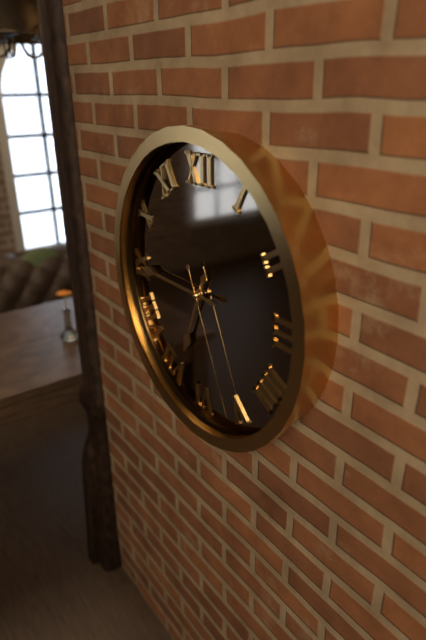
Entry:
h=6 m=45 s=26
